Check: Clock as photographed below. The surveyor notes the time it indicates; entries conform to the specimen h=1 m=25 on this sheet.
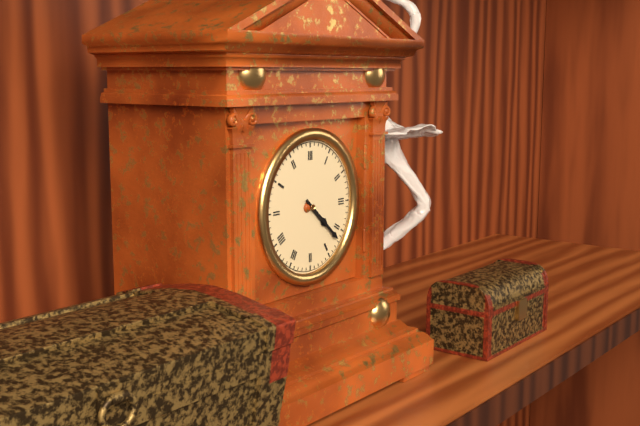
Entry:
h=4 m=22
